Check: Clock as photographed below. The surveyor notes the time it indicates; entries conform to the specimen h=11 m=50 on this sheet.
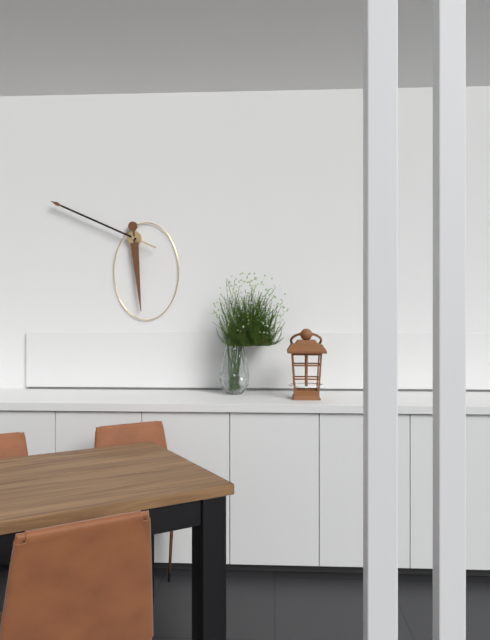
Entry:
h=5 m=49
